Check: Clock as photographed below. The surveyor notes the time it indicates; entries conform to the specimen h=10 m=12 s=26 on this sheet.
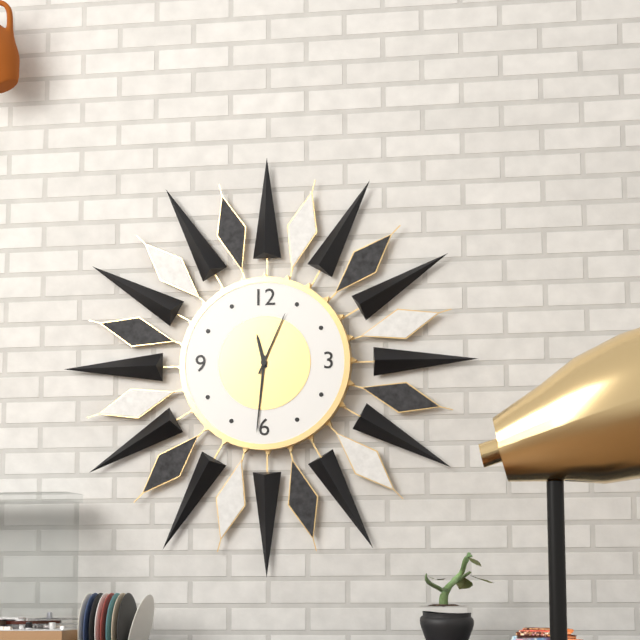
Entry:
h=11 m=31 s=4
